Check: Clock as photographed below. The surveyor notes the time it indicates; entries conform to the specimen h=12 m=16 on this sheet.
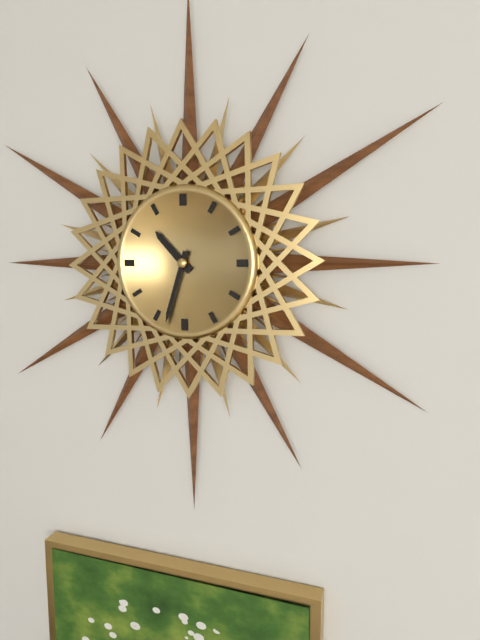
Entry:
h=10 m=33
